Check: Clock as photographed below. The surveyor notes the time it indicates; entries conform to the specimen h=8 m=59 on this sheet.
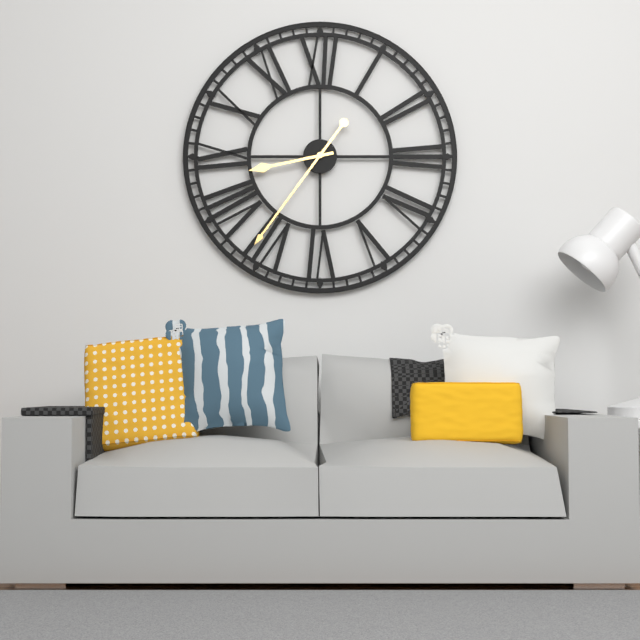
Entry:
h=8 m=36
